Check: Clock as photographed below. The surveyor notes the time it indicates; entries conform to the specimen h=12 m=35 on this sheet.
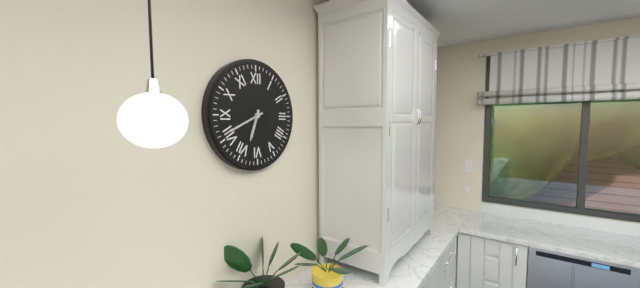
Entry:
h=6 m=41
